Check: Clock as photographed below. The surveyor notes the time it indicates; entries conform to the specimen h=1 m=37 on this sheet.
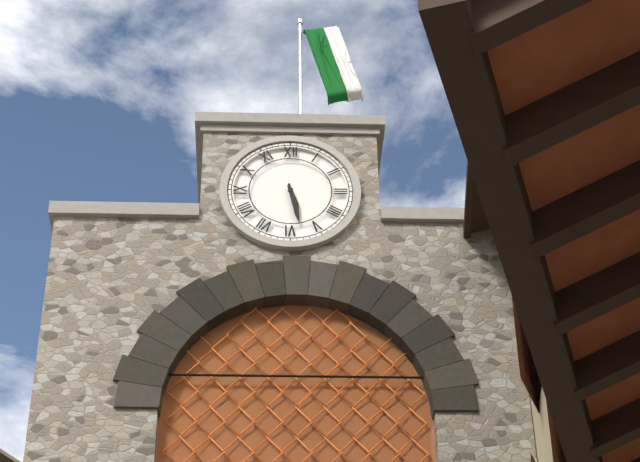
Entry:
h=5 m=28
